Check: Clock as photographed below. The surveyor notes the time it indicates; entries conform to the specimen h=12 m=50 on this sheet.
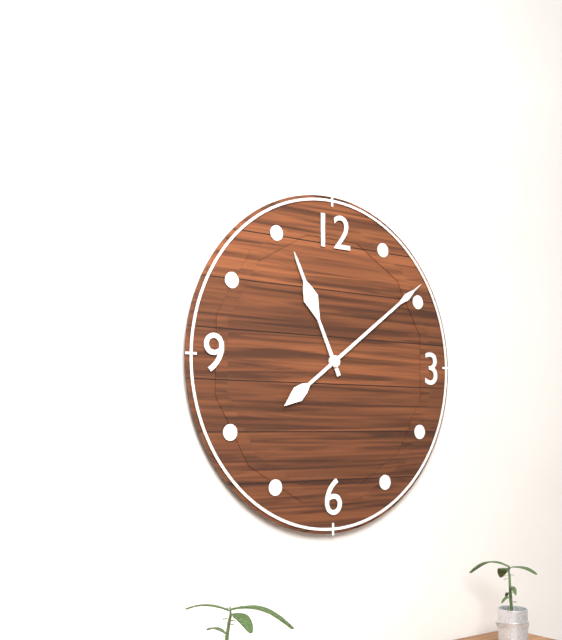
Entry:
h=11 m=9
